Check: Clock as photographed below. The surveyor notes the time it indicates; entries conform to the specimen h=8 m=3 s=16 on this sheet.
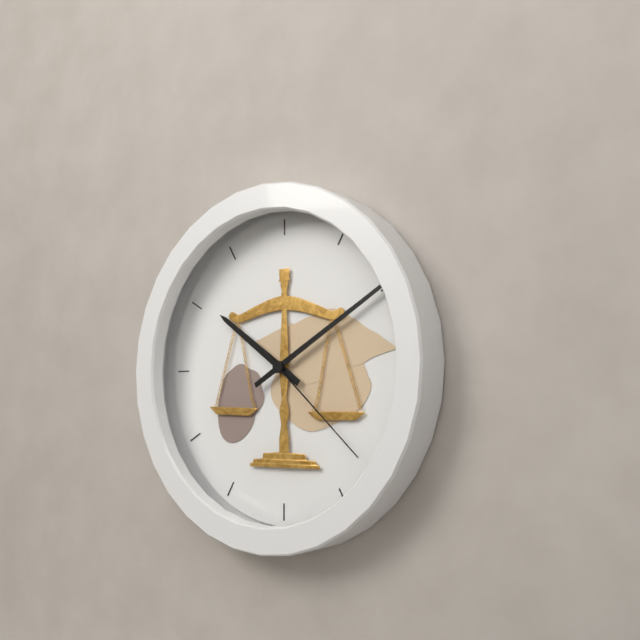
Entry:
h=10 m=10 s=22
